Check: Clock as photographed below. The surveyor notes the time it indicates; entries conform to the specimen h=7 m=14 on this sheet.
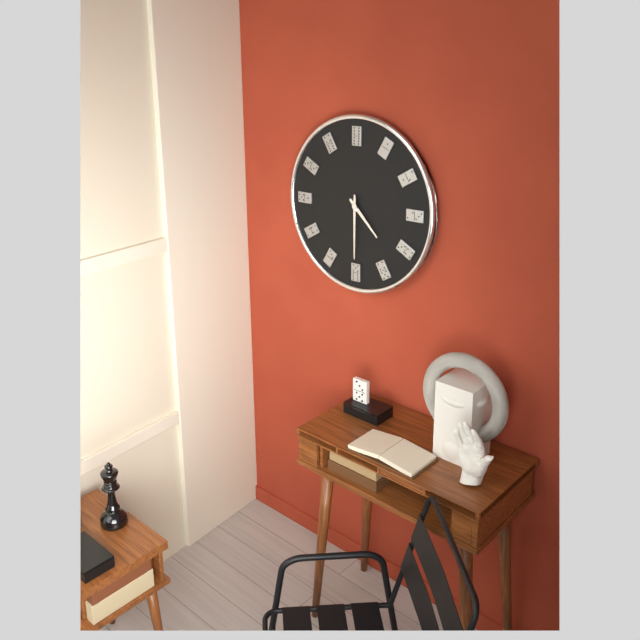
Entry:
h=4 m=30
